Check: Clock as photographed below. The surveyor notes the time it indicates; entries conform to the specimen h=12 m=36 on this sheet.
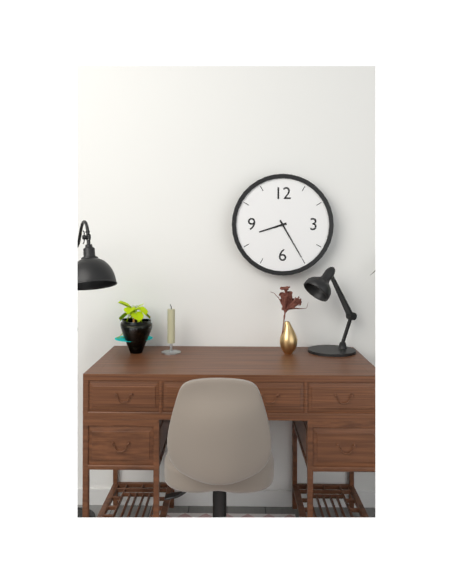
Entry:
h=8 m=25
